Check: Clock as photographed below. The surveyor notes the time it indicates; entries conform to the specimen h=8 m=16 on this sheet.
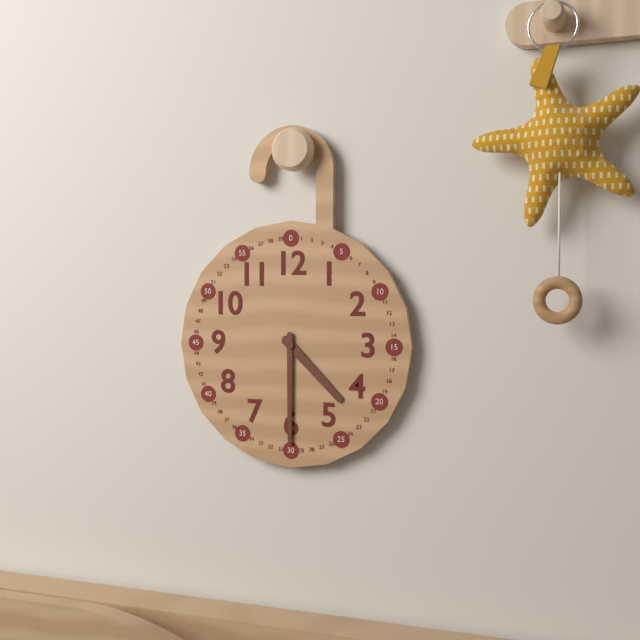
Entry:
h=4 m=30
